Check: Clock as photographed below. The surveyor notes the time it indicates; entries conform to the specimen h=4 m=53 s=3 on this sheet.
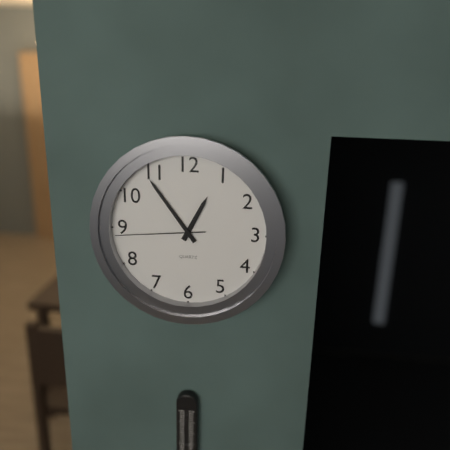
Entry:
h=12 m=54 s=44
